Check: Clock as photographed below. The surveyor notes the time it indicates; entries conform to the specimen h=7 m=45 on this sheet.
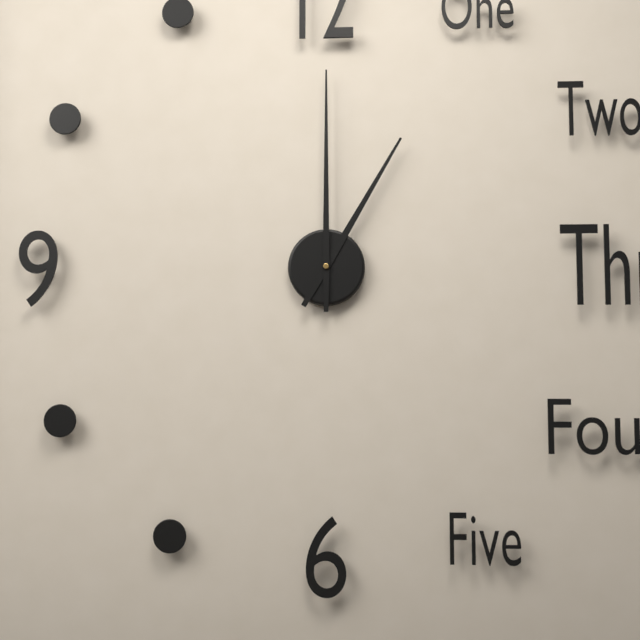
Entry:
h=1 m=0
